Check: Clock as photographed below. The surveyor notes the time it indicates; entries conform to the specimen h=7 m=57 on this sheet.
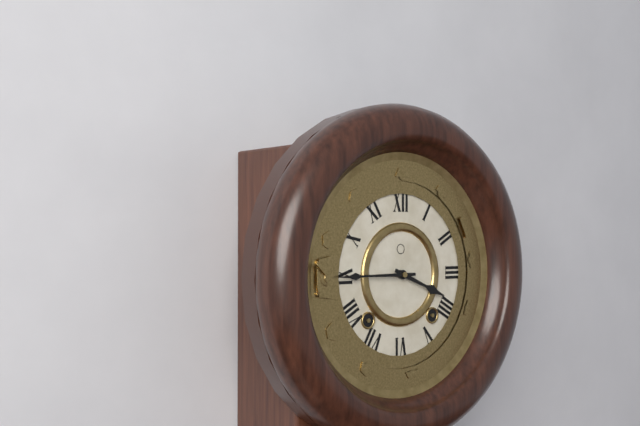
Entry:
h=3 m=45
